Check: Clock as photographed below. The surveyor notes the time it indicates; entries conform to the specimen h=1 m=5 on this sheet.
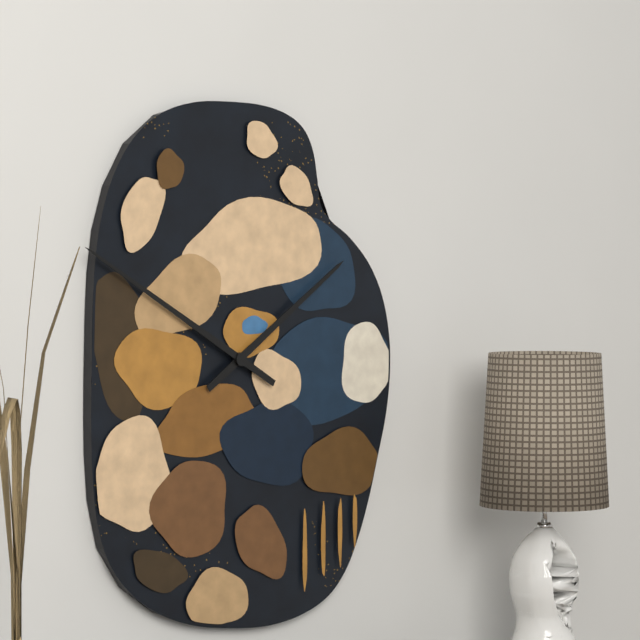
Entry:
h=1 m=50
